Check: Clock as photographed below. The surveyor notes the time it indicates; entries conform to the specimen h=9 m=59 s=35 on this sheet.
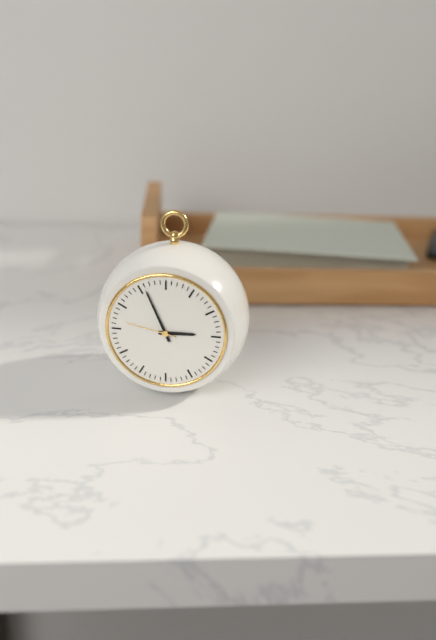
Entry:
h=2 m=56 s=47
